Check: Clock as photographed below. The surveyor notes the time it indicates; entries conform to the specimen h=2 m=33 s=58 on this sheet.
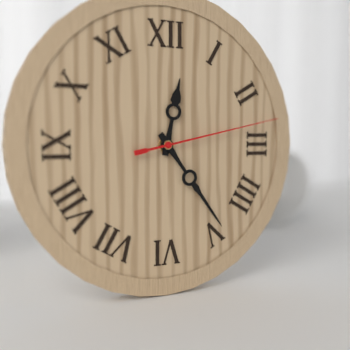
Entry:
h=12 m=24 s=13
